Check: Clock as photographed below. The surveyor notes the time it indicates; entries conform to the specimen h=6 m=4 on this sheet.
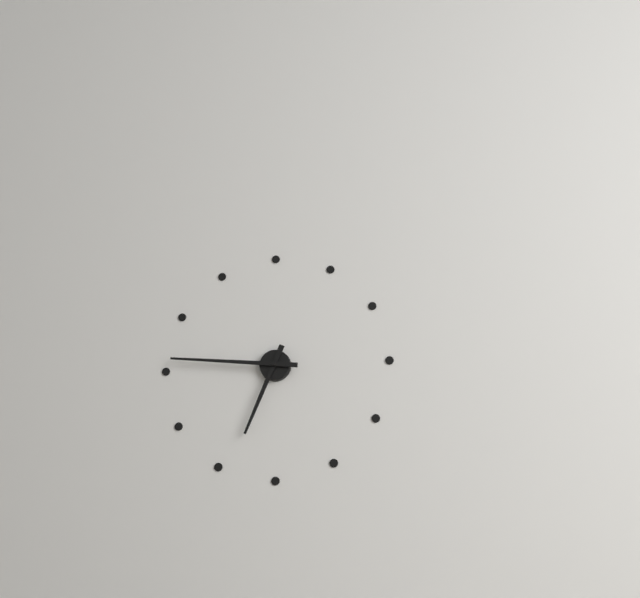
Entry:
h=6 m=46
